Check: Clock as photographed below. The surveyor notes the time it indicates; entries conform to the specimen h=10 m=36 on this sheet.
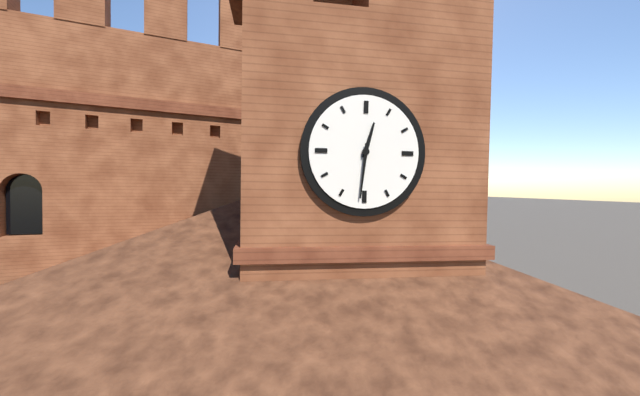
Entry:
h=12 m=31
